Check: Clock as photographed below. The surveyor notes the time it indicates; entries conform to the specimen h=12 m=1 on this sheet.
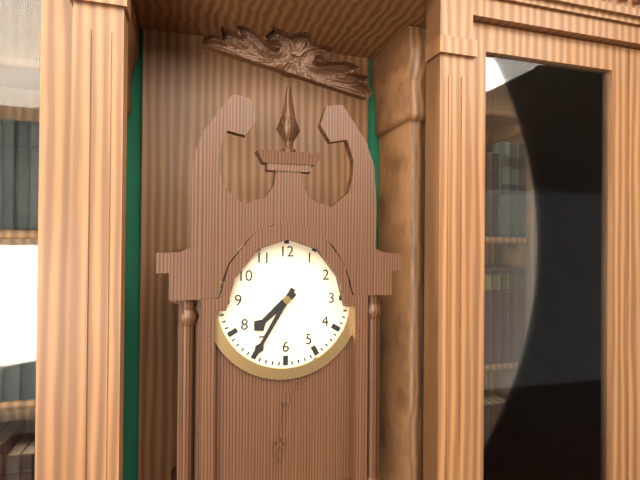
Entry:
h=7 m=35
